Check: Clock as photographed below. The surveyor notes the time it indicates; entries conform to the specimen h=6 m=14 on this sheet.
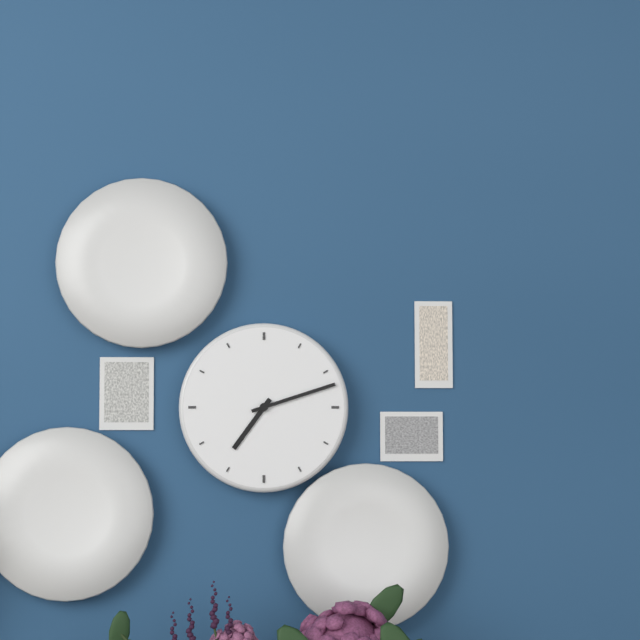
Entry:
h=7 m=12
